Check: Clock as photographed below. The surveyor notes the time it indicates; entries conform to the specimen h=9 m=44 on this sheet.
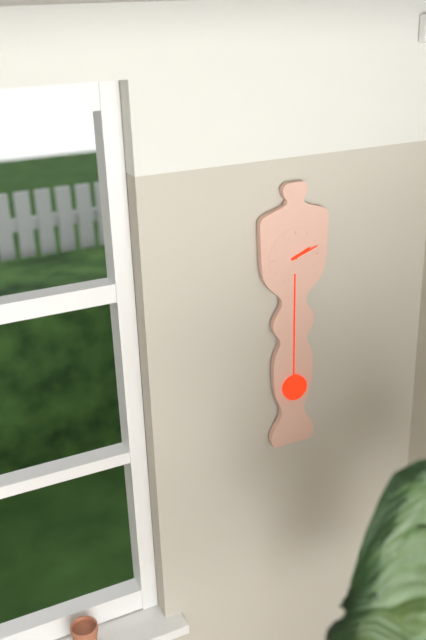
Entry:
h=2 m=12
